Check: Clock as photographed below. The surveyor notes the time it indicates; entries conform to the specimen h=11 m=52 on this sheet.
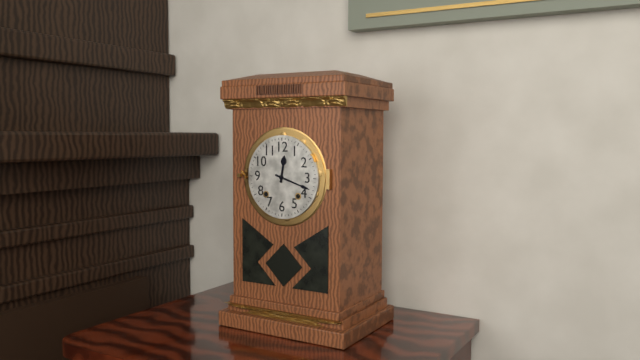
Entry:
h=12 m=18
